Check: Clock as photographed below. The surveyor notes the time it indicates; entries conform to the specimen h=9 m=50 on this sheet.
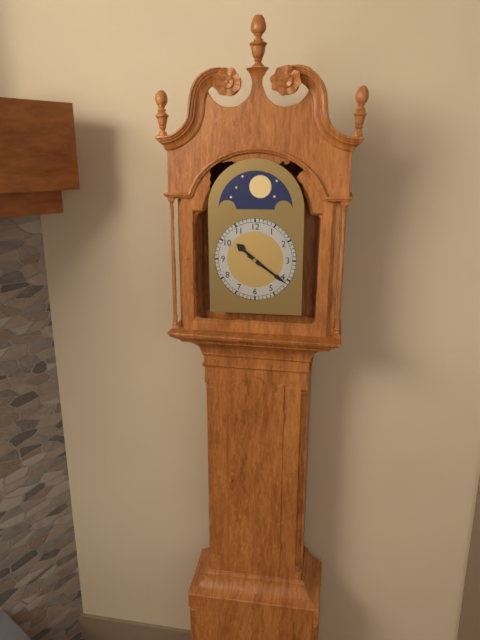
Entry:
h=10 m=21
